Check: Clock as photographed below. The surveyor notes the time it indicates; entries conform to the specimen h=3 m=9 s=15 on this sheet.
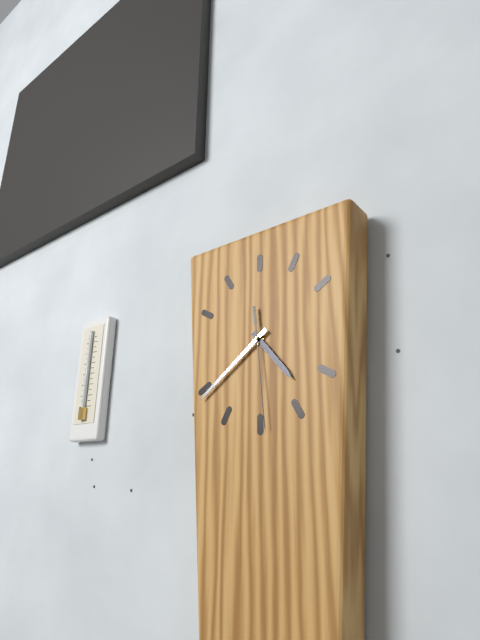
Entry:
h=4 m=39 s=29
